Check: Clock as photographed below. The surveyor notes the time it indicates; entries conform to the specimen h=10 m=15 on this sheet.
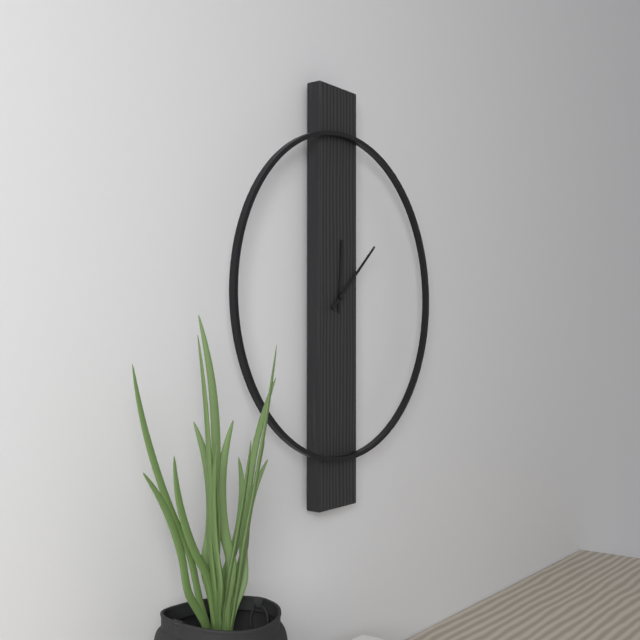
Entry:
h=12 m=8
